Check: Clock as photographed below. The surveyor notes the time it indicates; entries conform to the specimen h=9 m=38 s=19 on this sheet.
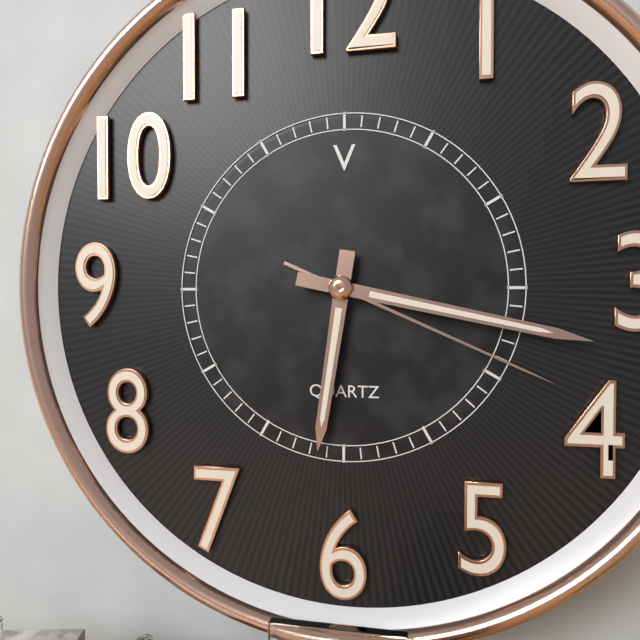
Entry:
h=6 m=17 s=19
